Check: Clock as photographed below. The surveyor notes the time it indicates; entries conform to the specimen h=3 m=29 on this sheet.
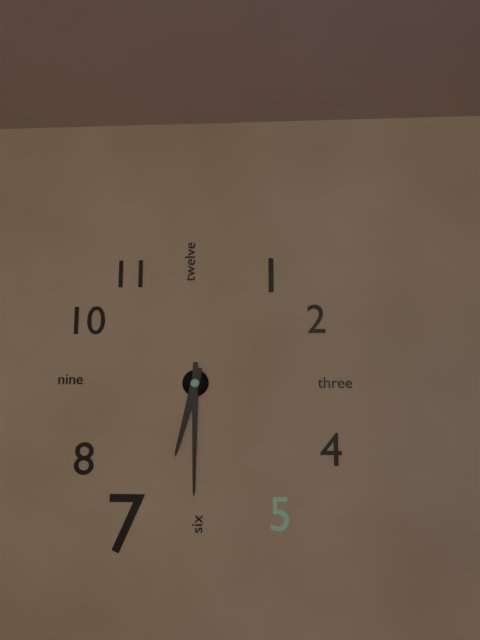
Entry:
h=6 m=30
